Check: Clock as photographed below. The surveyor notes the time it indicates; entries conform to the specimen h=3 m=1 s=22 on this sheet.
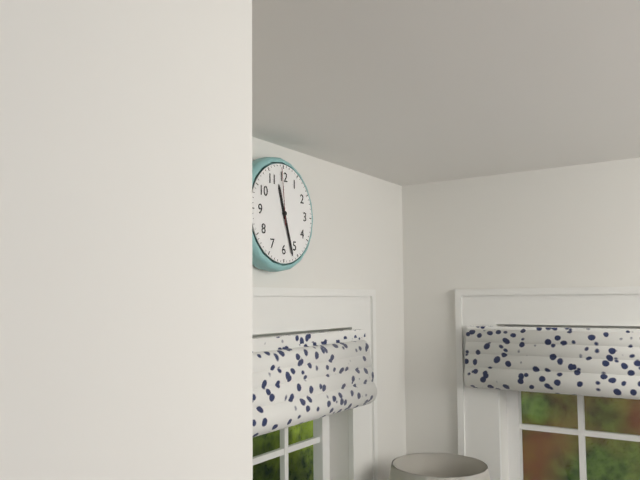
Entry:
h=11 m=27 s=59
